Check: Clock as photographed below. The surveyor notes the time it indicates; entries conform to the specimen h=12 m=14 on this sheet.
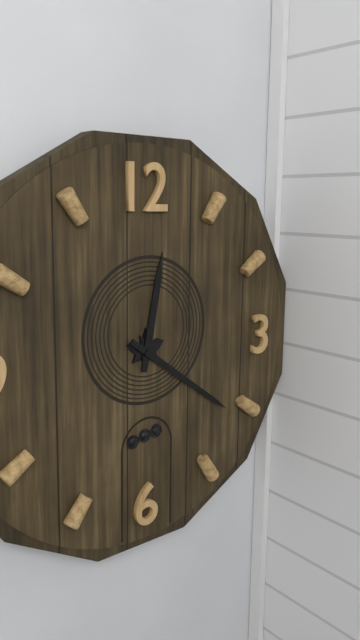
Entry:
h=12 m=21
